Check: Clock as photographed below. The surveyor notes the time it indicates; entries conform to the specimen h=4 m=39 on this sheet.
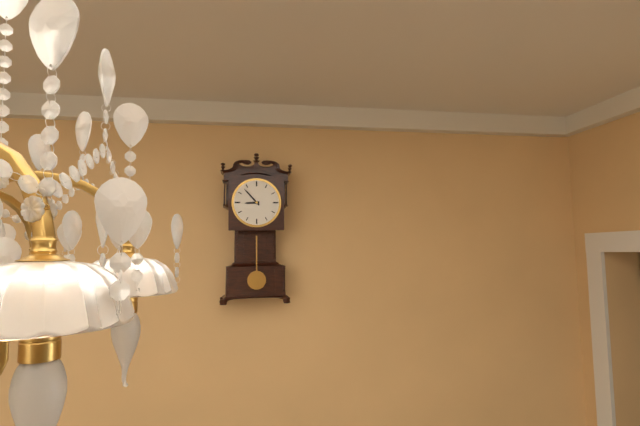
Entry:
h=8 m=53
